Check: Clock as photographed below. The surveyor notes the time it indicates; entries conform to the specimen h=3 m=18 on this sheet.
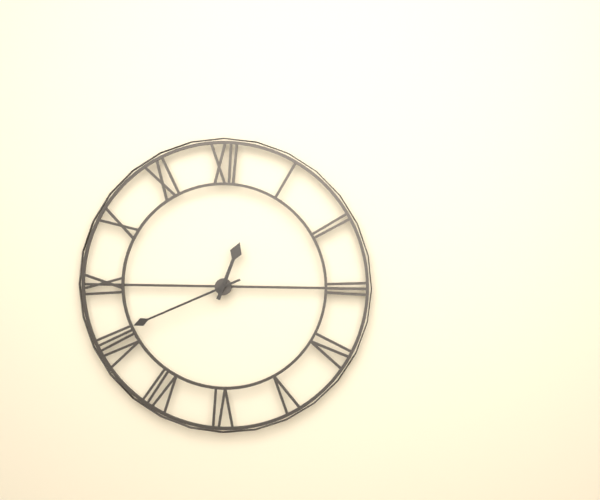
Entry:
h=12 m=41
